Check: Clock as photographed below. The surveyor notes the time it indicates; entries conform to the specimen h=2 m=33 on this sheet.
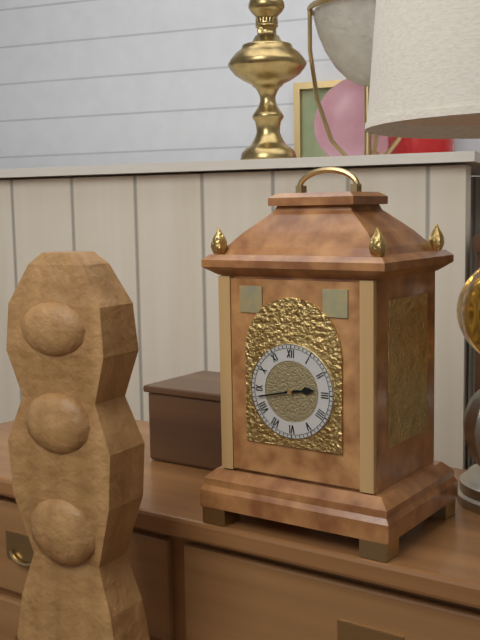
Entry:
h=2 m=43
